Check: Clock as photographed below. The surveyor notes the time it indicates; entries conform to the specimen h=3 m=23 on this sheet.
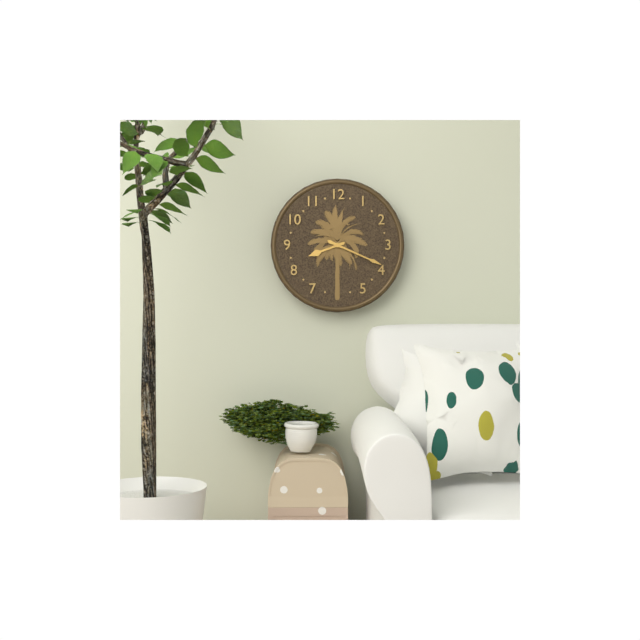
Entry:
h=8 m=19
